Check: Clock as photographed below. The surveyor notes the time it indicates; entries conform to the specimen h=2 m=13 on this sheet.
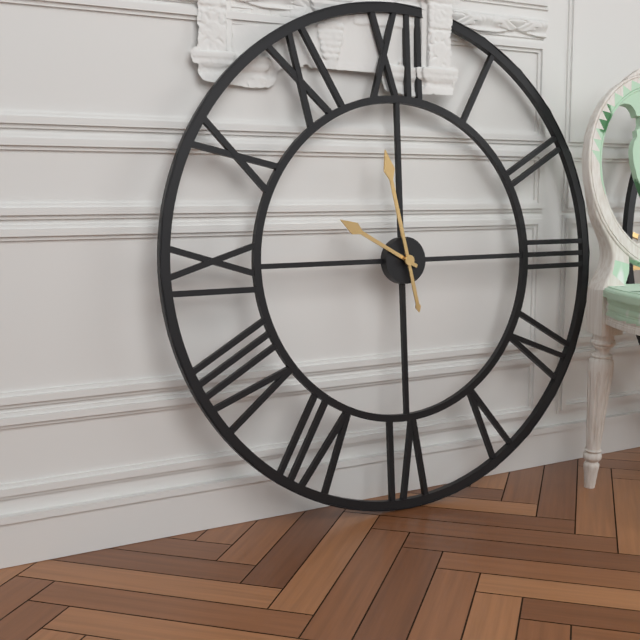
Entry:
h=9 m=58
